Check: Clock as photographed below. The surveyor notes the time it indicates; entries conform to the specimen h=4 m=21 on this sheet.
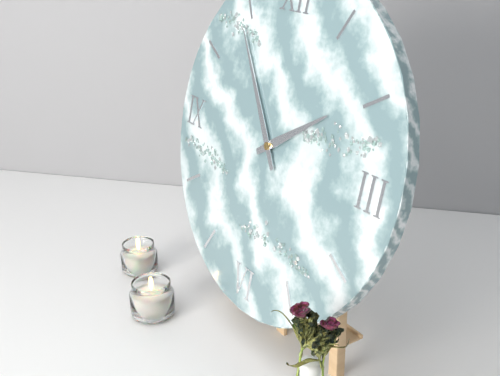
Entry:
h=1 m=54
